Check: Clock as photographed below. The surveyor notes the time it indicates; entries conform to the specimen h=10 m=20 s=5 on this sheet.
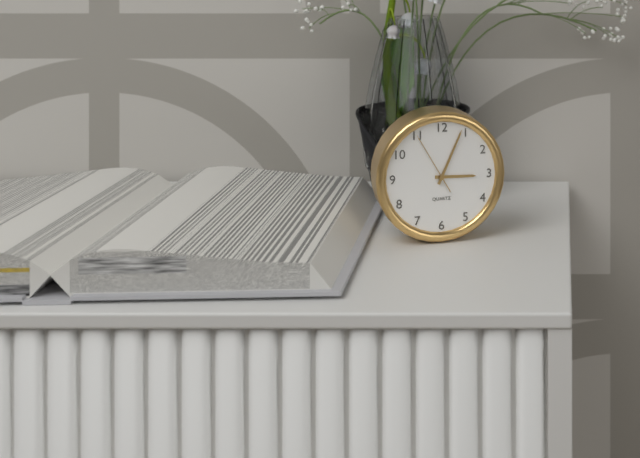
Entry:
h=3 m=4 s=55
